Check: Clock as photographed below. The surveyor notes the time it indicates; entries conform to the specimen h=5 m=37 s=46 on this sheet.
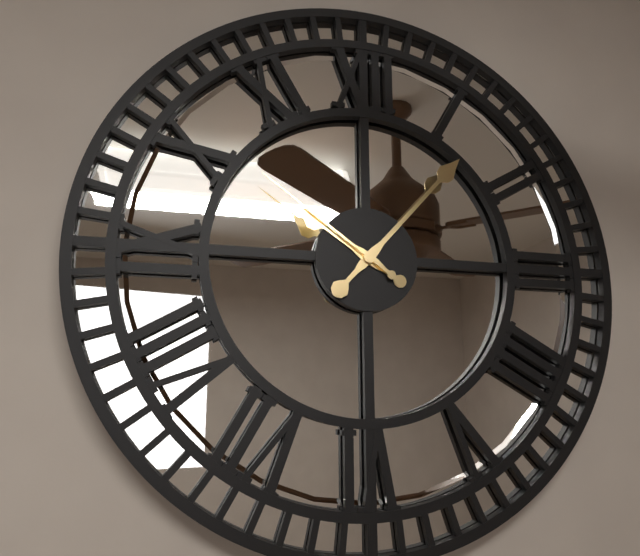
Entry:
h=10 m=7 s=51
